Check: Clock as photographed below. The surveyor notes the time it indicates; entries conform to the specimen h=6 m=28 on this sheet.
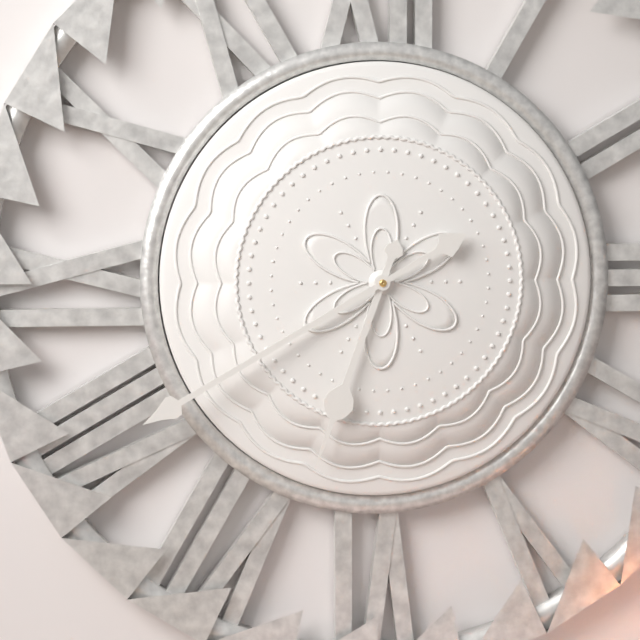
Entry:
h=6 m=40
